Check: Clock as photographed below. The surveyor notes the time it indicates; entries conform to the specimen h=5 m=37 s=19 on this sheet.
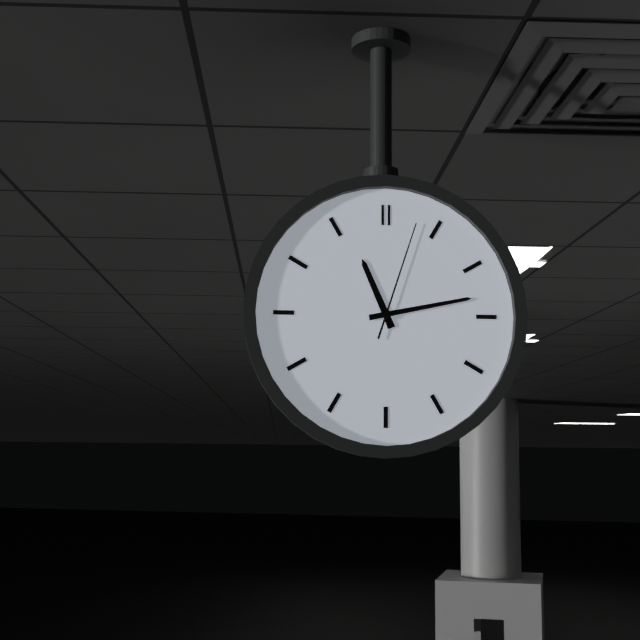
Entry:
h=11 m=13 s=3
